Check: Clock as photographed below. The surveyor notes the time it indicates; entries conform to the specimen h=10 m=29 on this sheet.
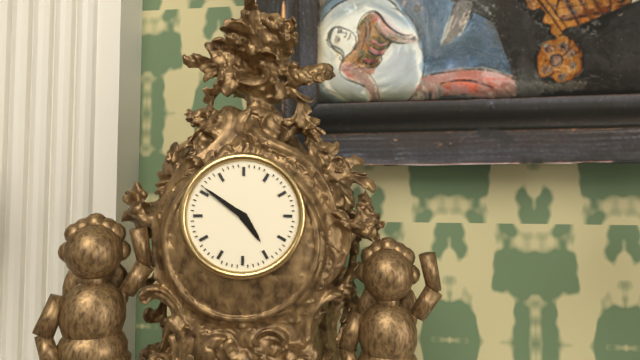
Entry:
h=4 m=51
